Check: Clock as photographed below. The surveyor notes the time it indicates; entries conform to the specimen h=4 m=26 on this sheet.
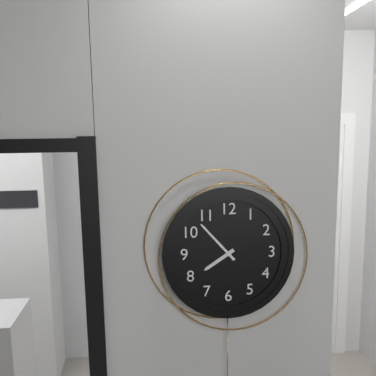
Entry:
h=7 m=53
